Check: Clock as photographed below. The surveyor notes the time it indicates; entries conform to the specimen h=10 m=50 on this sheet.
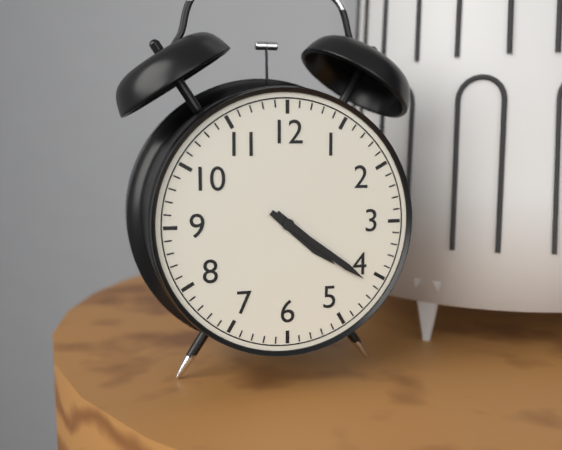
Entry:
h=4 m=21
